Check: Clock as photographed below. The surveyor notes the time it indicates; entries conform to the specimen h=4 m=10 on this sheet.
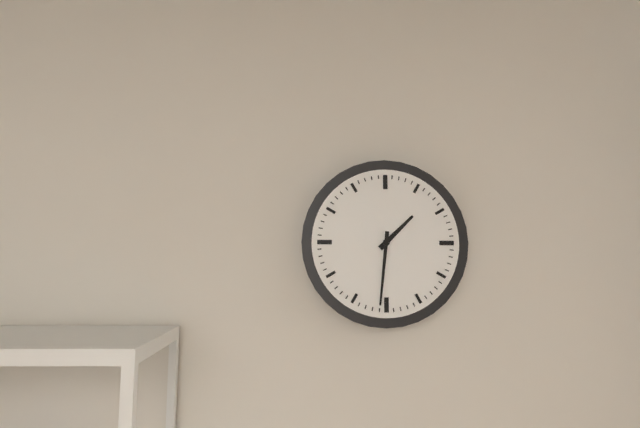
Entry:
h=1 m=31
